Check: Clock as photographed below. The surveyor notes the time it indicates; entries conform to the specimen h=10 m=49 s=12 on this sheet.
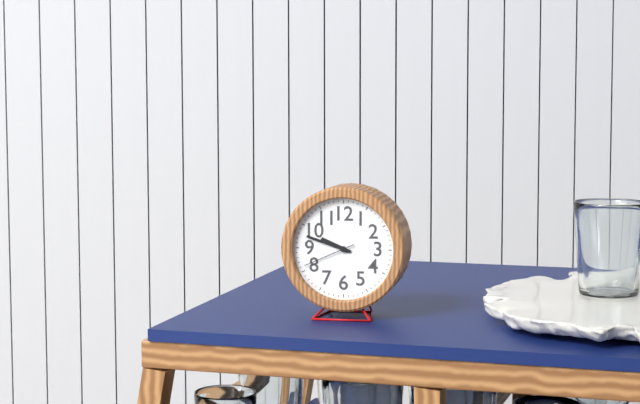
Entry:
h=9 m=48 s=41
